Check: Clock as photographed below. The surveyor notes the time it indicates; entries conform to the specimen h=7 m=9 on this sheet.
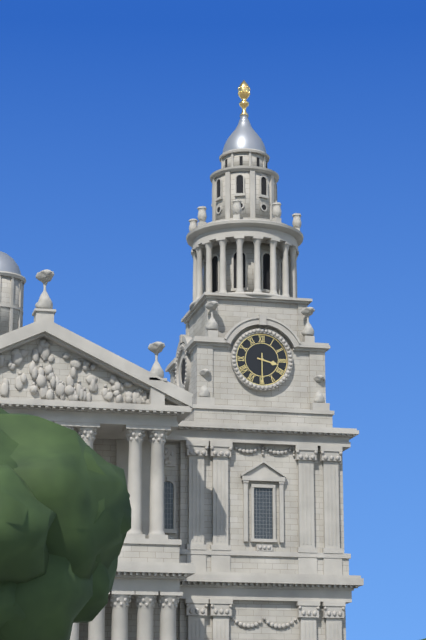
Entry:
h=3 m=30
